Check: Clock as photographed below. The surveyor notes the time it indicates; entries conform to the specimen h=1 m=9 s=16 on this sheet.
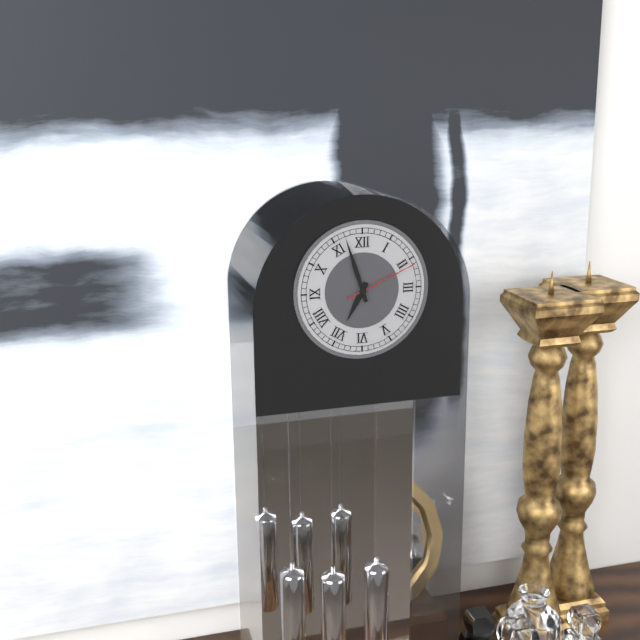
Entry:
h=6 m=57 s=11
